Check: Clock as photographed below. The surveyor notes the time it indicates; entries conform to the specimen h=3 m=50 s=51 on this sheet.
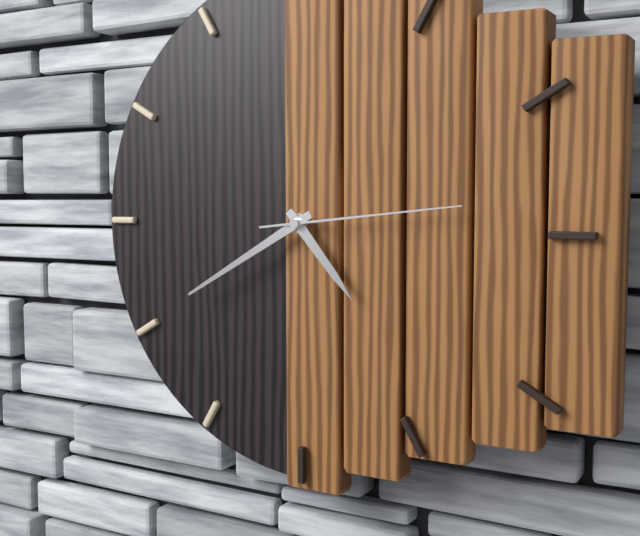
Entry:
h=4 m=40 s=14
